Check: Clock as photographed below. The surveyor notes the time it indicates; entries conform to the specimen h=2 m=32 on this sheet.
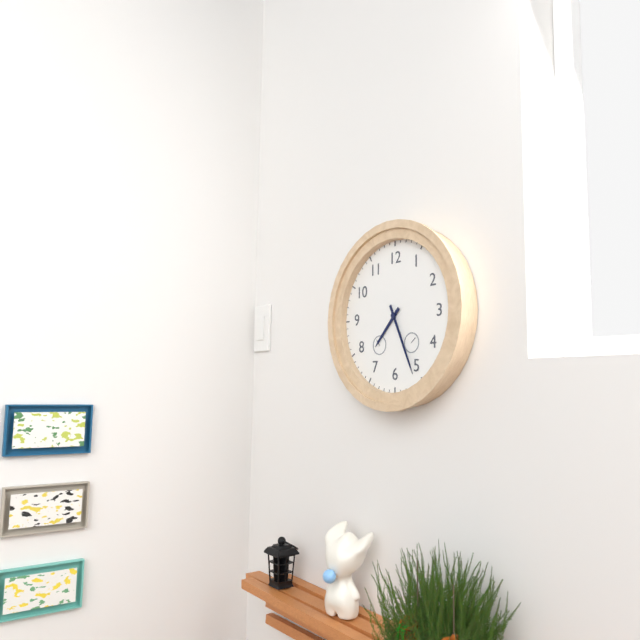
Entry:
h=7 m=26
